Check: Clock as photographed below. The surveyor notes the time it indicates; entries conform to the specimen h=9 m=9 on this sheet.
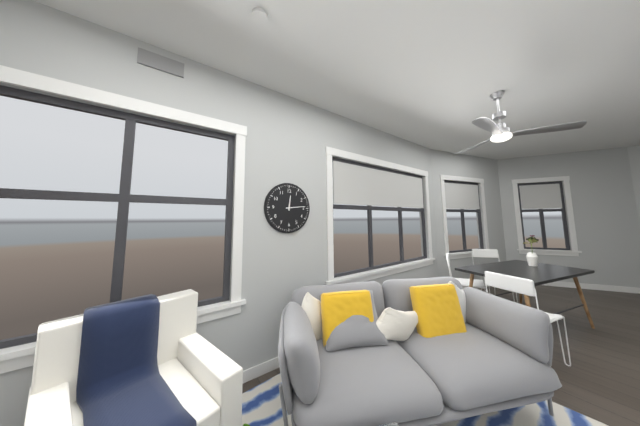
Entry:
h=12 m=14
